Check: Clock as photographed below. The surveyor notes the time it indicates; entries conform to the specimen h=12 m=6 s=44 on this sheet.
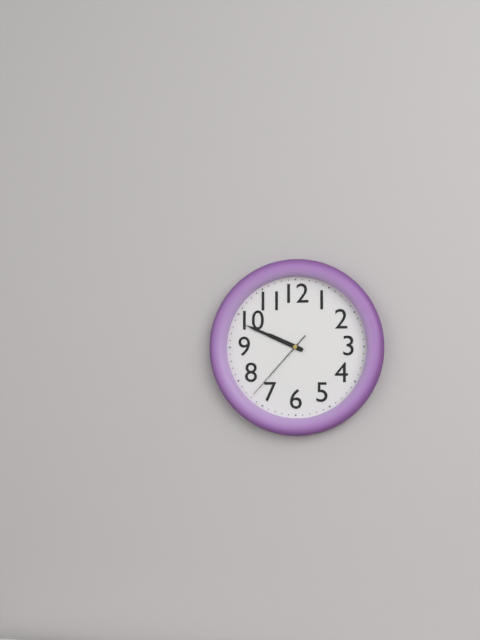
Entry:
h=9 m=49 s=37
